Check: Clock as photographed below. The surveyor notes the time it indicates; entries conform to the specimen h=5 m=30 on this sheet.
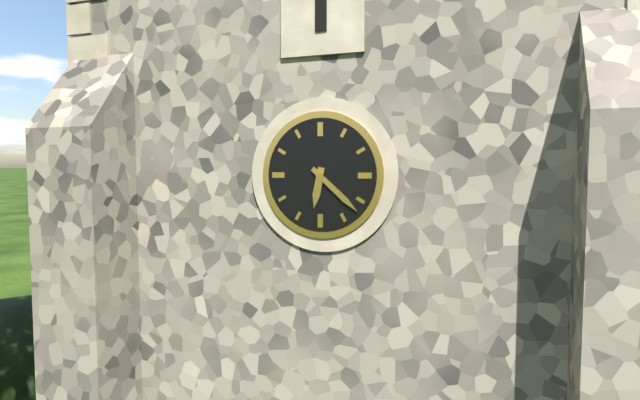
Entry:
h=6 m=22
